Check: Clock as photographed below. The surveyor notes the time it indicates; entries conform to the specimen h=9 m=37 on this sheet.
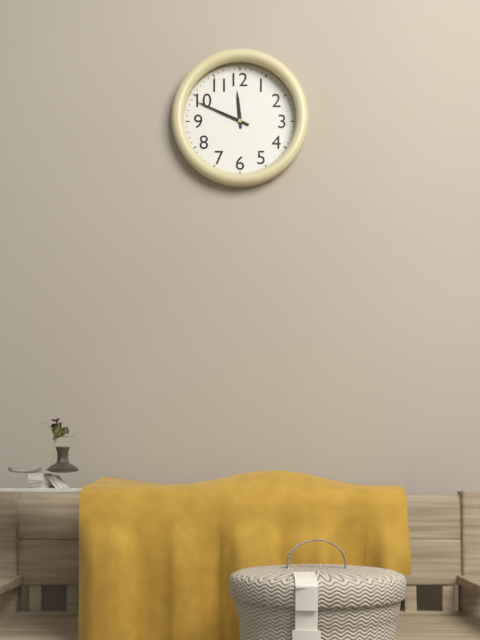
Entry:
h=11 m=49
